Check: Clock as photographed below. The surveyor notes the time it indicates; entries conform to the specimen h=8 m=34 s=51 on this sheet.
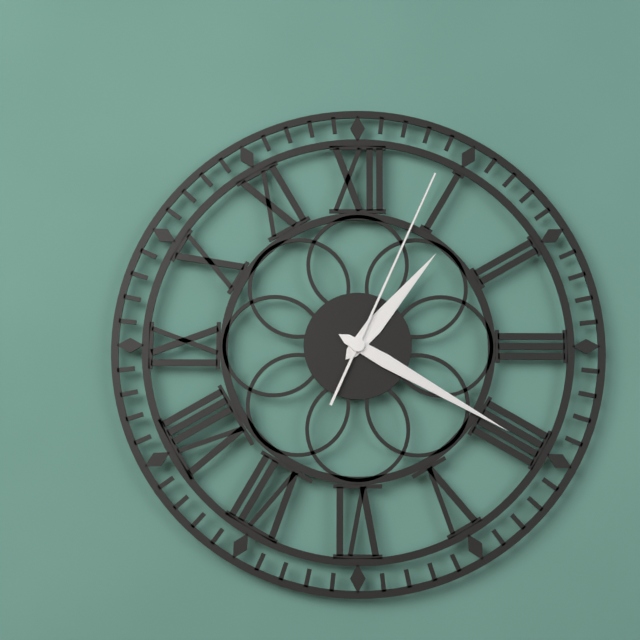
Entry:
h=1 m=20 s=4
